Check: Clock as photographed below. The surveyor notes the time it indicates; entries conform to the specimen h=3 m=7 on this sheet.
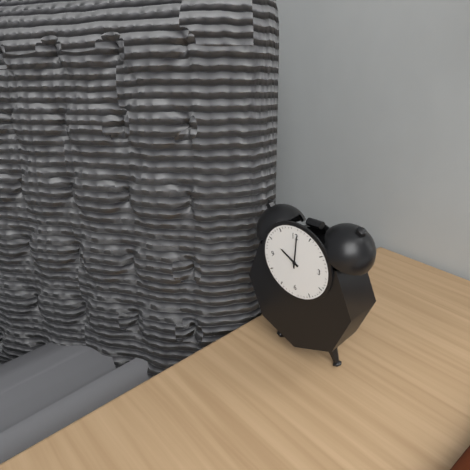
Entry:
h=10 m=1
